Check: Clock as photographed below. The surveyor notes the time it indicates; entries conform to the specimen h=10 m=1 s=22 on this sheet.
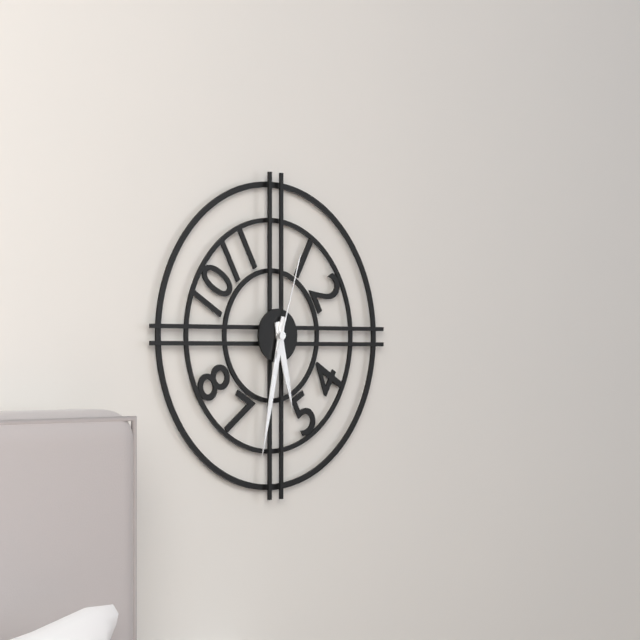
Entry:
h=5 m=32 s=3
